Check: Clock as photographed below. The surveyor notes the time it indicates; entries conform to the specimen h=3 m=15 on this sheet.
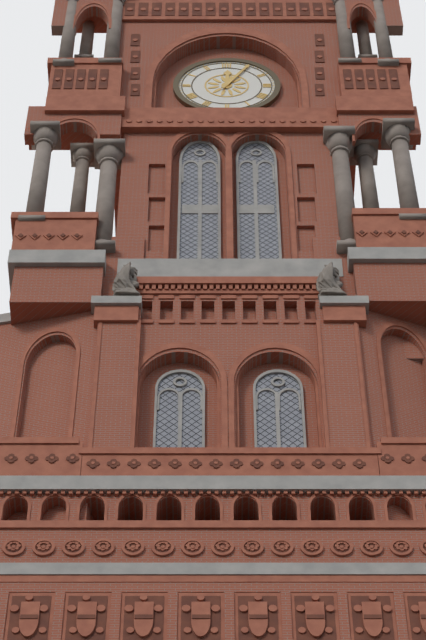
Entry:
h=12 m=5
